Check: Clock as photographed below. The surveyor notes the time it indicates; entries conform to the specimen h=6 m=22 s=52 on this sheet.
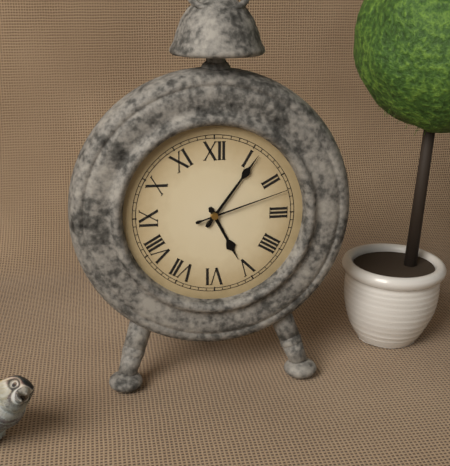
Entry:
h=5 m=6 s=12
